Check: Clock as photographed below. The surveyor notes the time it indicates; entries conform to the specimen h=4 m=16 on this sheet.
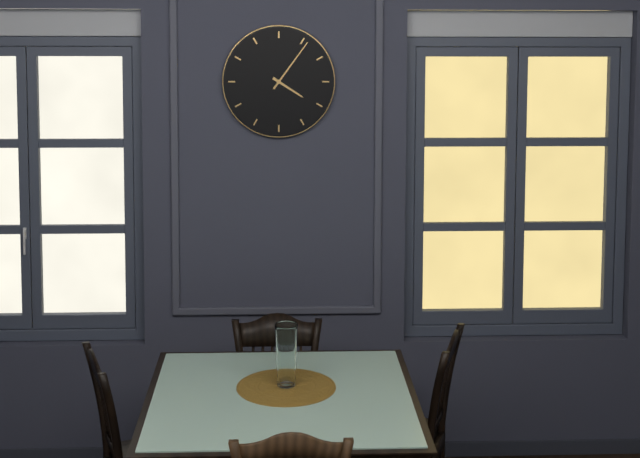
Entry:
h=4 m=6
